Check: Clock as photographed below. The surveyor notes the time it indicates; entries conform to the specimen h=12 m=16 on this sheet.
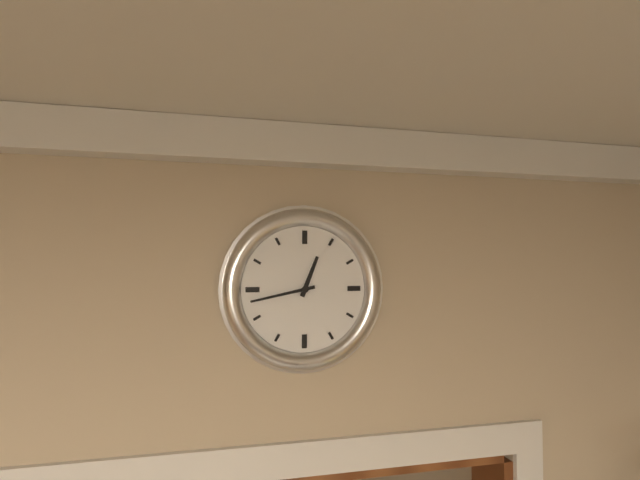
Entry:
h=12 m=43
